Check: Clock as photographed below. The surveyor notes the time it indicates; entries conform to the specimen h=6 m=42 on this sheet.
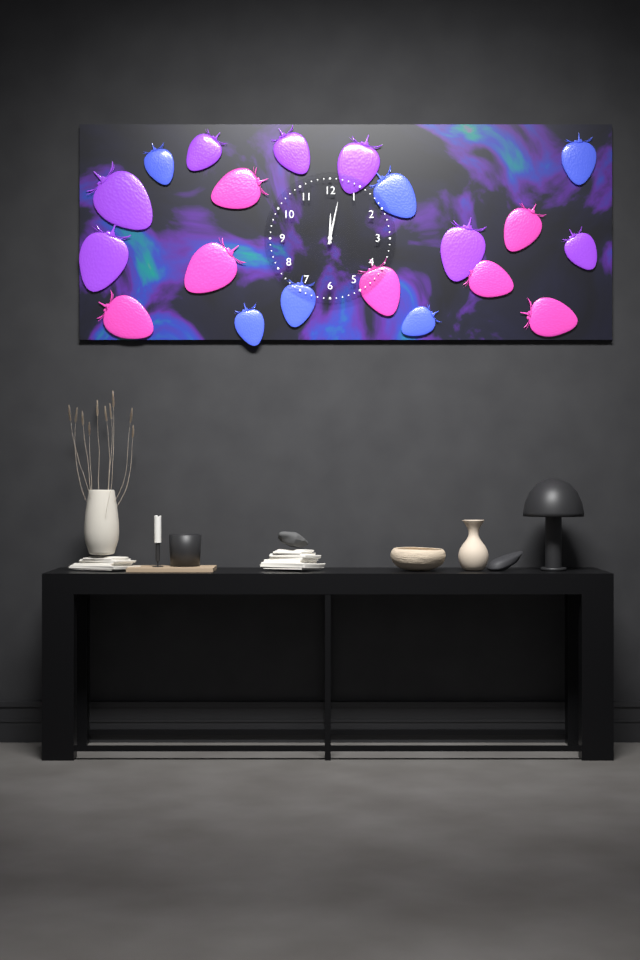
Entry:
h=12 m=2
